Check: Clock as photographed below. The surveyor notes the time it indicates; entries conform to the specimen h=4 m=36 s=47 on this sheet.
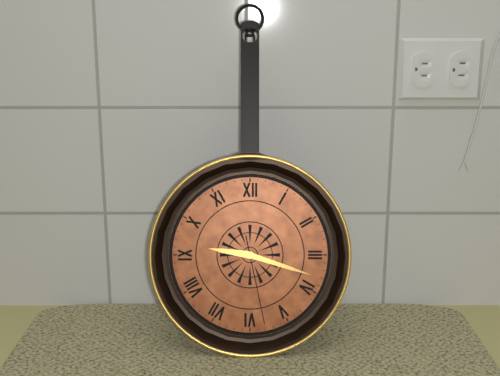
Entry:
h=9 m=18 s=28
